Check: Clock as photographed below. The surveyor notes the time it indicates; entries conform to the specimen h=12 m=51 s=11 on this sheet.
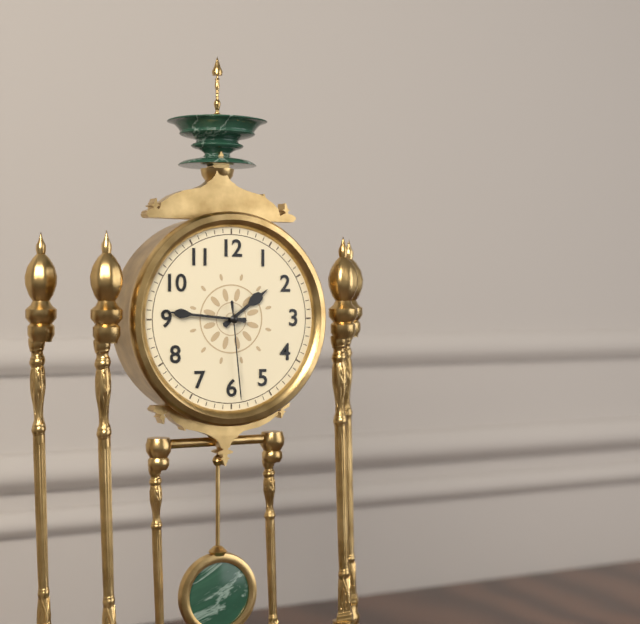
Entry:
h=1 m=46 s=29
